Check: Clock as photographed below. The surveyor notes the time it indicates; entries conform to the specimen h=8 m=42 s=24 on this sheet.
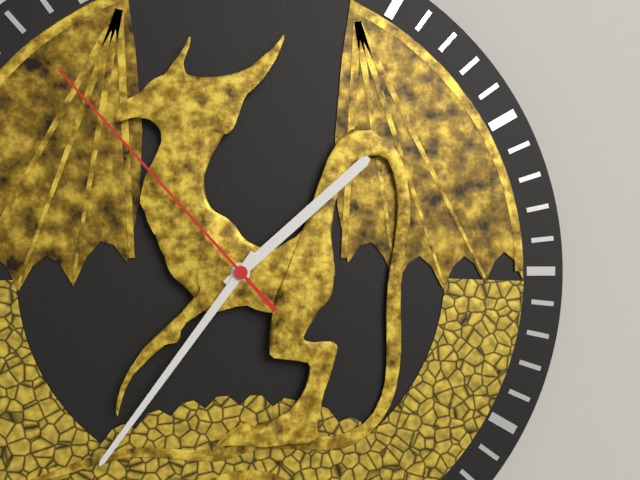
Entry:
h=1 m=36 s=53
